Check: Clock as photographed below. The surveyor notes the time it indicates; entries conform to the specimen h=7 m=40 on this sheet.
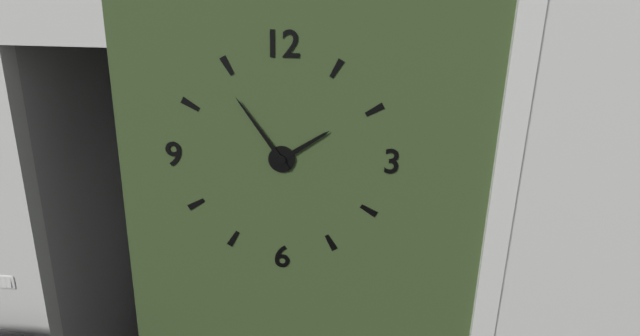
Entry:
h=1 m=54
